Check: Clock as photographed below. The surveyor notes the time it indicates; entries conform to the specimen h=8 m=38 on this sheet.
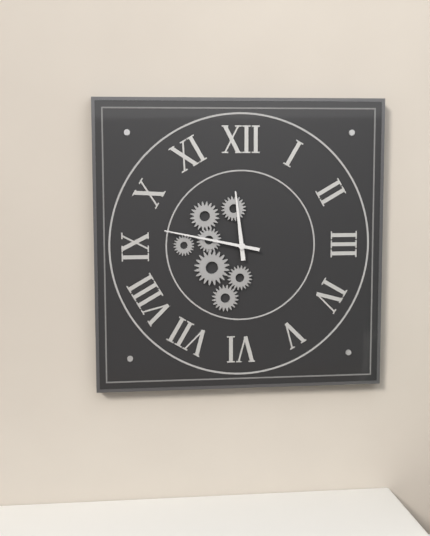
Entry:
h=11 m=47
